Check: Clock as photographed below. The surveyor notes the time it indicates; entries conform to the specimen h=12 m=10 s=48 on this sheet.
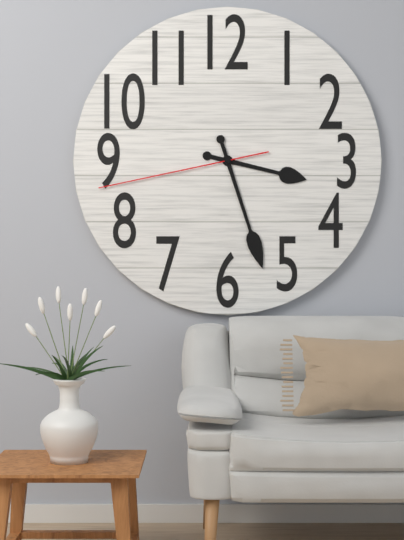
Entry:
h=3 m=27 s=43
